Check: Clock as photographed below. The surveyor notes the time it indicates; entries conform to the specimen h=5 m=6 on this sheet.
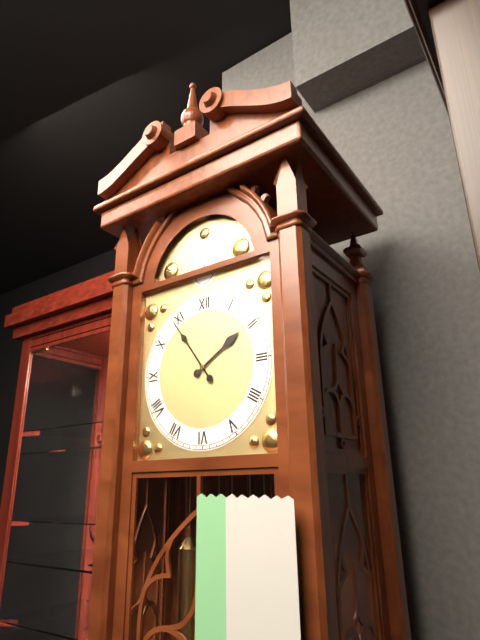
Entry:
h=1 m=54
